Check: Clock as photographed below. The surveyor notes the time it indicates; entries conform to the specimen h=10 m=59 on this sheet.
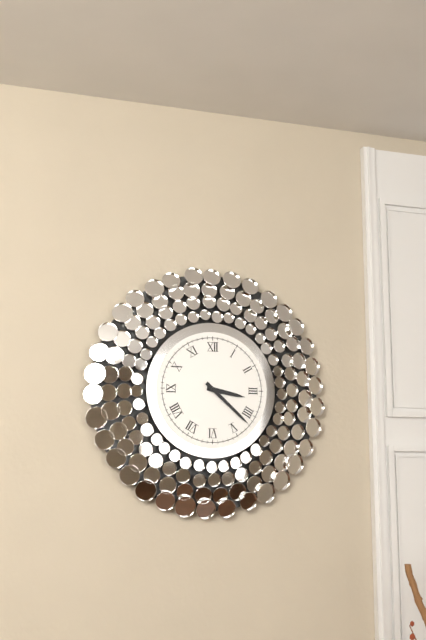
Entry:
h=3 m=22
